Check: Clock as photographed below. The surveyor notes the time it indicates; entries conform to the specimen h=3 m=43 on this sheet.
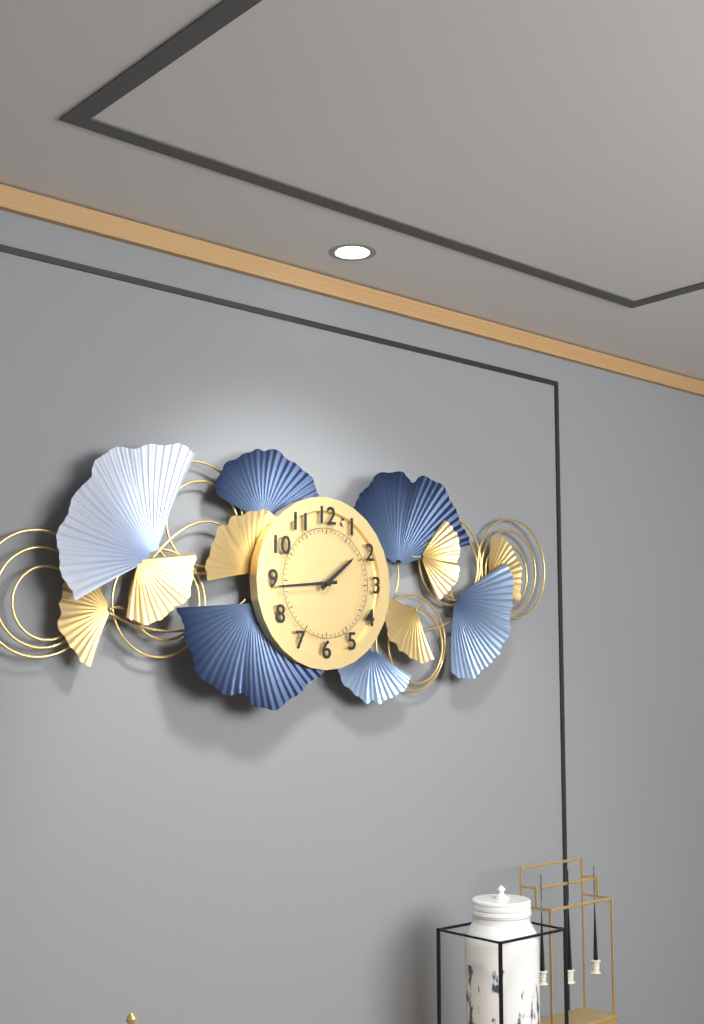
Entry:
h=1 m=44
